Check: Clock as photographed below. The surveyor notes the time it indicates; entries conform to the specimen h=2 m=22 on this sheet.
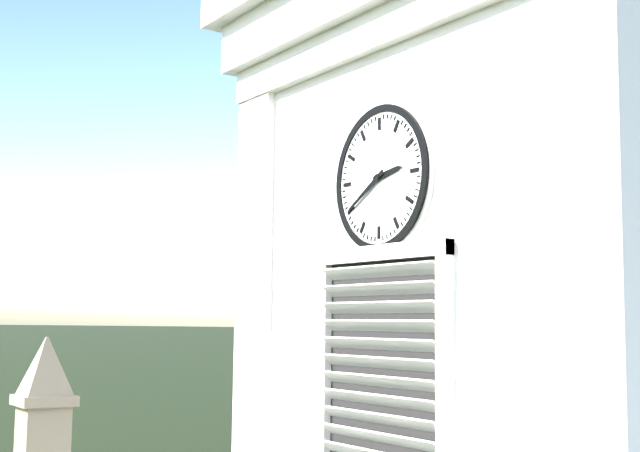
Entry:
h=2 m=40
